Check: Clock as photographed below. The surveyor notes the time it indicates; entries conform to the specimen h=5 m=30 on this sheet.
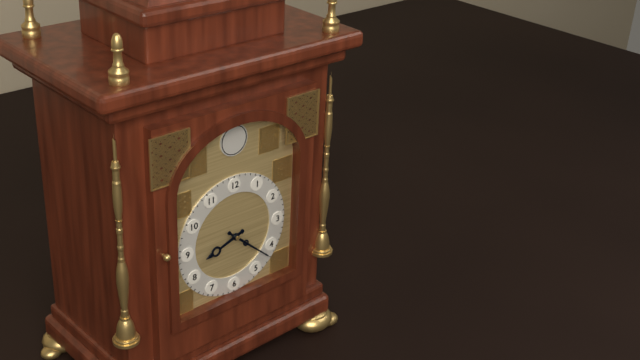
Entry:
h=8 m=22
